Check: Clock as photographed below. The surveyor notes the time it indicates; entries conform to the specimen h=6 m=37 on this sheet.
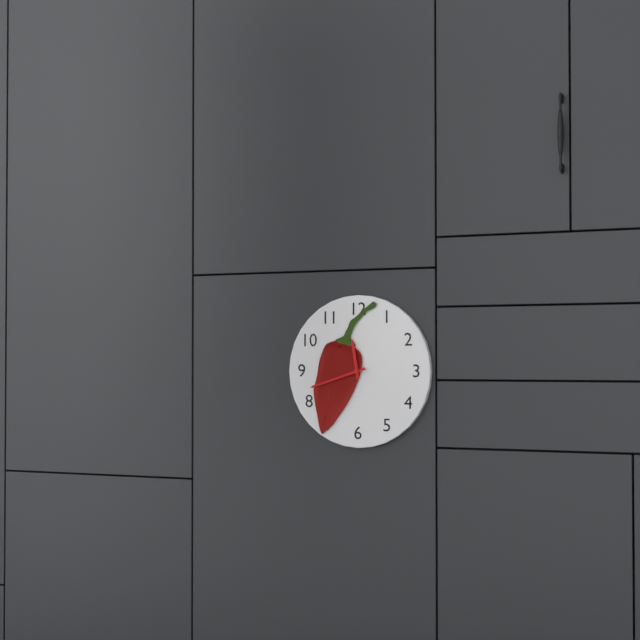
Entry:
h=11 m=42
